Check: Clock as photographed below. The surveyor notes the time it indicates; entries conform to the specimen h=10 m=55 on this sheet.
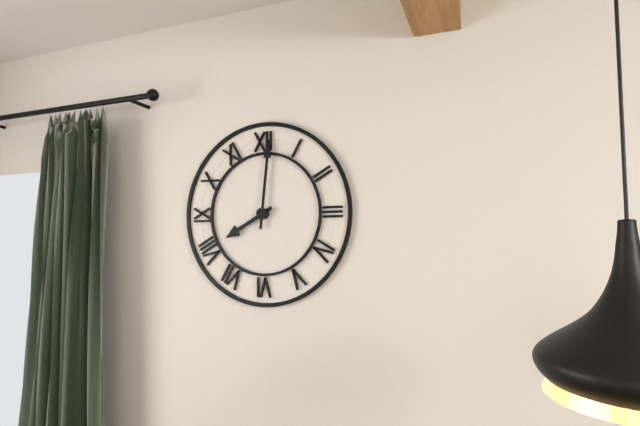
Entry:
h=8 m=1
